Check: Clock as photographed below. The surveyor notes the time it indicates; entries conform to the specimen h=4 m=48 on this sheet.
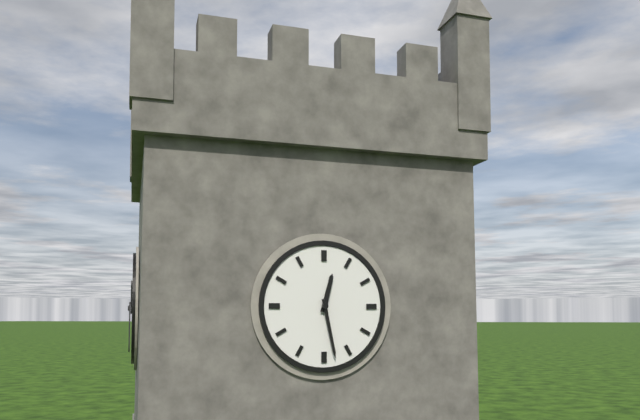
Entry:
h=12 m=28
